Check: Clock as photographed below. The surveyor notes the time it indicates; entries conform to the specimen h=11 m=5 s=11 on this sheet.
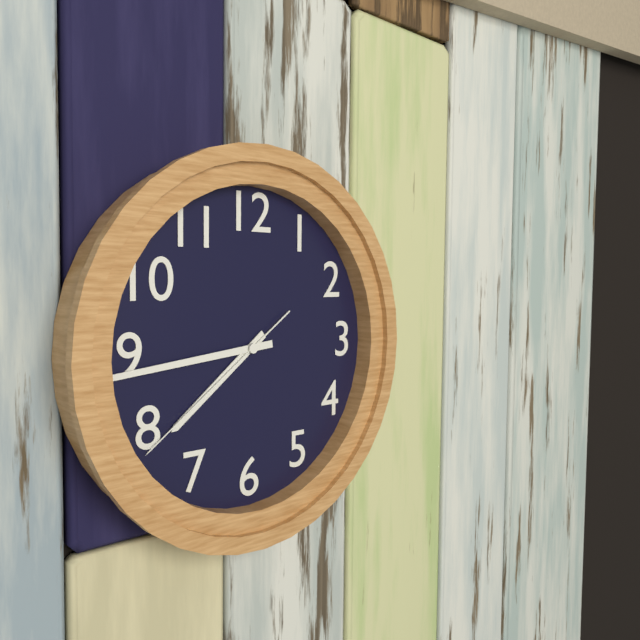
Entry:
h=7 m=44 s=39
